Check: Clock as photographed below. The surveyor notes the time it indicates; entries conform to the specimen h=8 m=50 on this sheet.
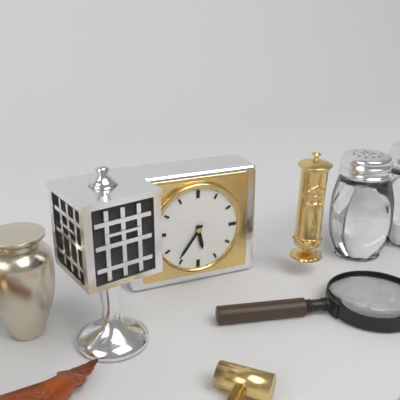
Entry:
h=5 m=36
